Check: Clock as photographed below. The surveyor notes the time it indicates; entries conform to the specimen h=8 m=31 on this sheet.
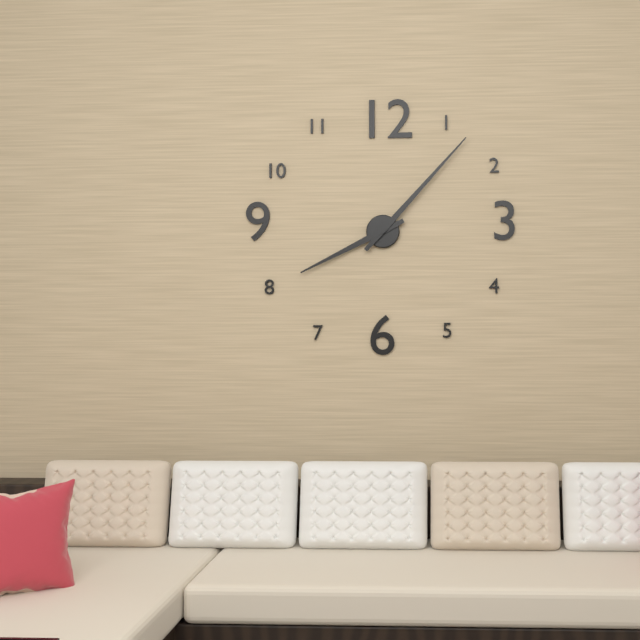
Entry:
h=8 m=7
